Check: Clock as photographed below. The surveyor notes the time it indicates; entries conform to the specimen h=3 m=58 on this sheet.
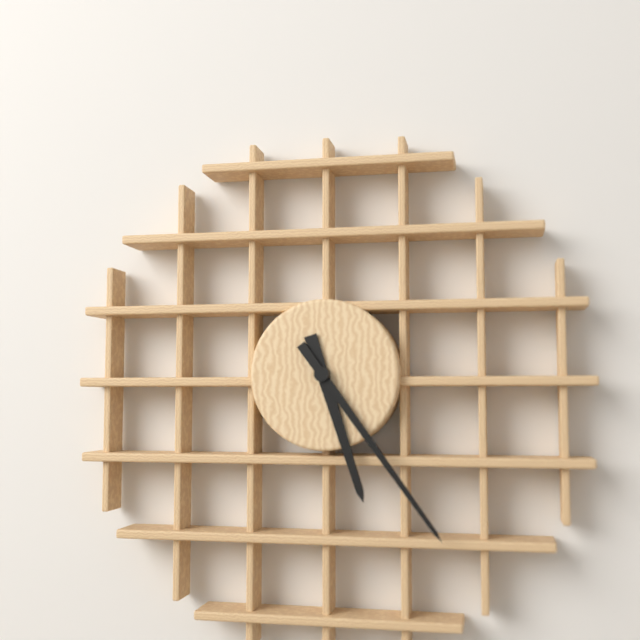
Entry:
h=5 m=24
